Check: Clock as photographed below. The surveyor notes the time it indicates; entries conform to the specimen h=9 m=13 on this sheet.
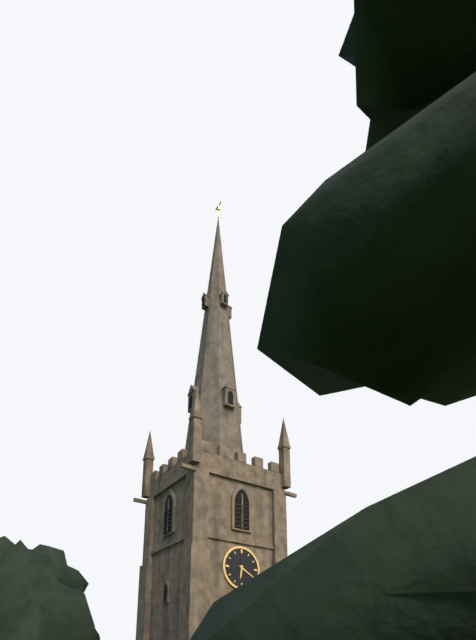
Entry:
h=6 m=20
